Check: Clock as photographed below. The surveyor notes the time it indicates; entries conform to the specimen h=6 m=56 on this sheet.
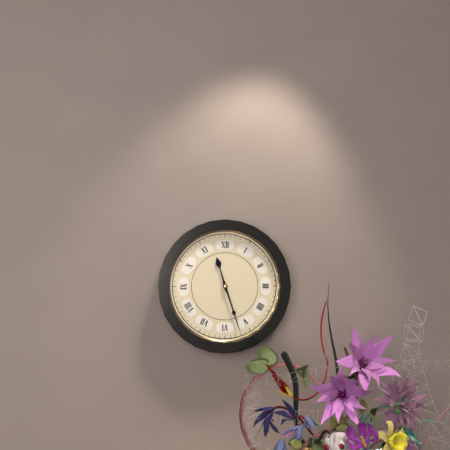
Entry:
h=11 m=27
